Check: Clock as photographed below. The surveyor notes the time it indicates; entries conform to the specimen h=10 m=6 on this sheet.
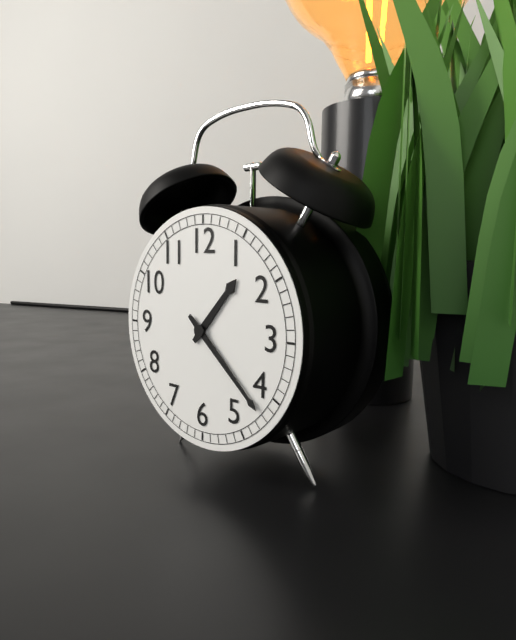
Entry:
h=1 m=22
